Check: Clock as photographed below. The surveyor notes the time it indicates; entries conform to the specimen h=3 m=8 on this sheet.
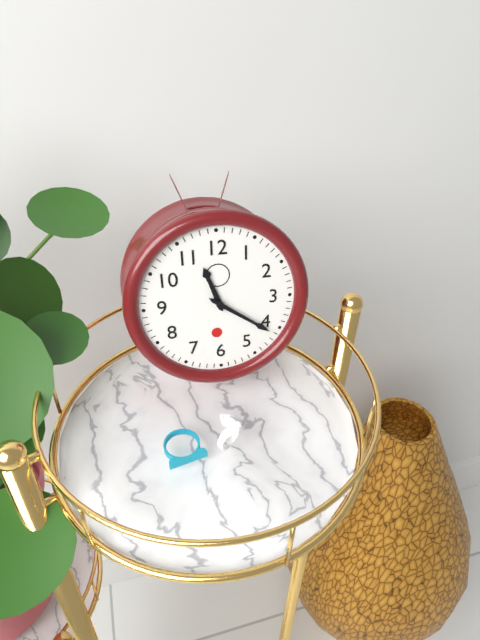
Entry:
h=11 m=21
